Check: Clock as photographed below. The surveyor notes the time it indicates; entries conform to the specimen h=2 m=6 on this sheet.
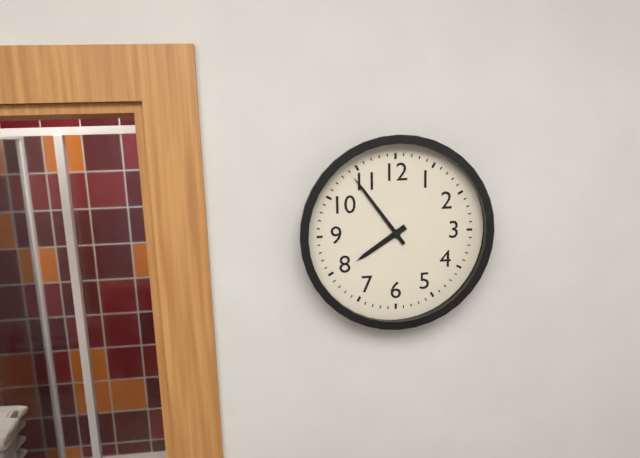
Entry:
h=7 m=54
